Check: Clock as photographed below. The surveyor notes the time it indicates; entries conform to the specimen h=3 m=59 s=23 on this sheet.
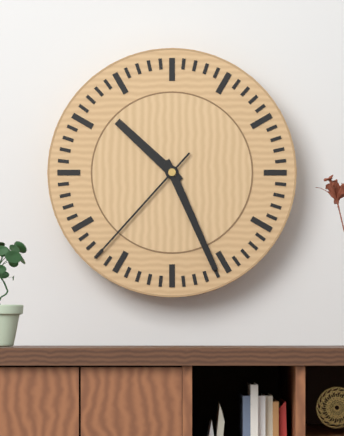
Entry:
h=10 m=26 s=37
